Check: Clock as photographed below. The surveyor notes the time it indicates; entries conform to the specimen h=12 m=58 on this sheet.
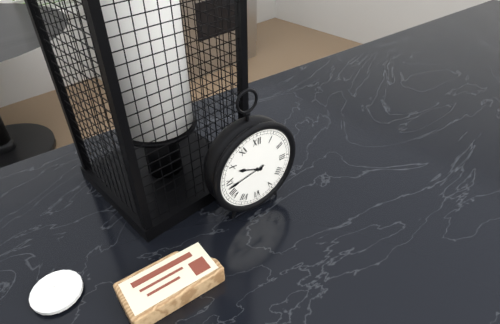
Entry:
h=9 m=43
